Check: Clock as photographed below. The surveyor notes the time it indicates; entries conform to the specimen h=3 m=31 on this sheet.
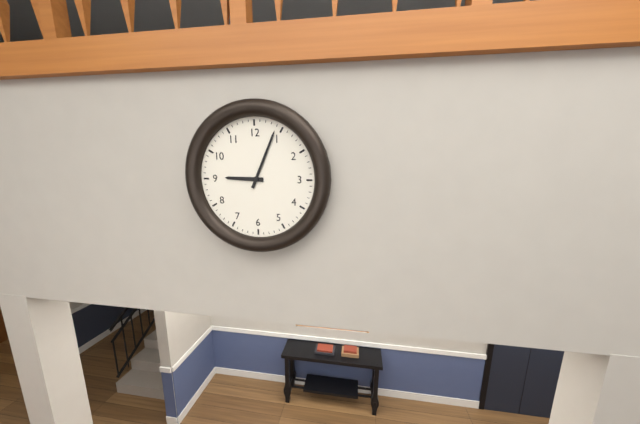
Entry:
h=9 m=4
